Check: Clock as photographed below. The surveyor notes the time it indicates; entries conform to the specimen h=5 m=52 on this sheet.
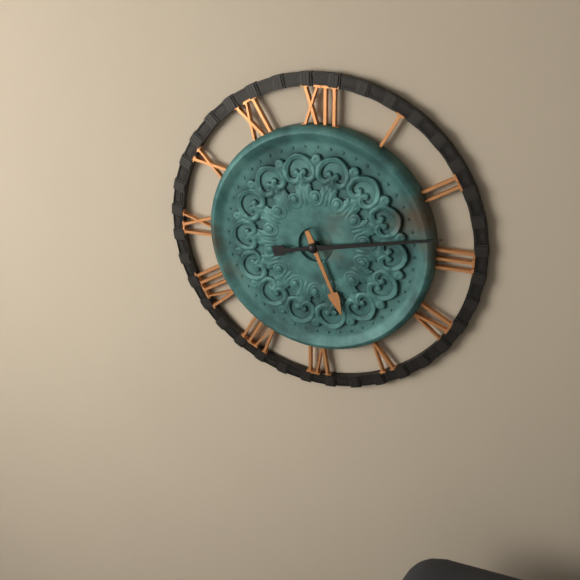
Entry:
h=5 m=13
